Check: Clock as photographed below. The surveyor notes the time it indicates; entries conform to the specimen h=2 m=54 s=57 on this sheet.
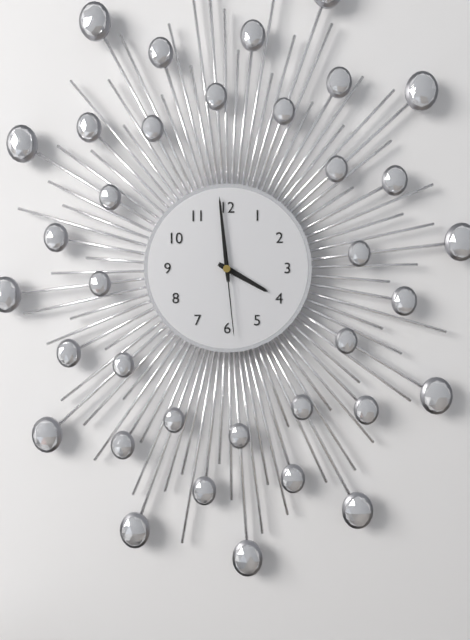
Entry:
h=3 m=59 s=29
